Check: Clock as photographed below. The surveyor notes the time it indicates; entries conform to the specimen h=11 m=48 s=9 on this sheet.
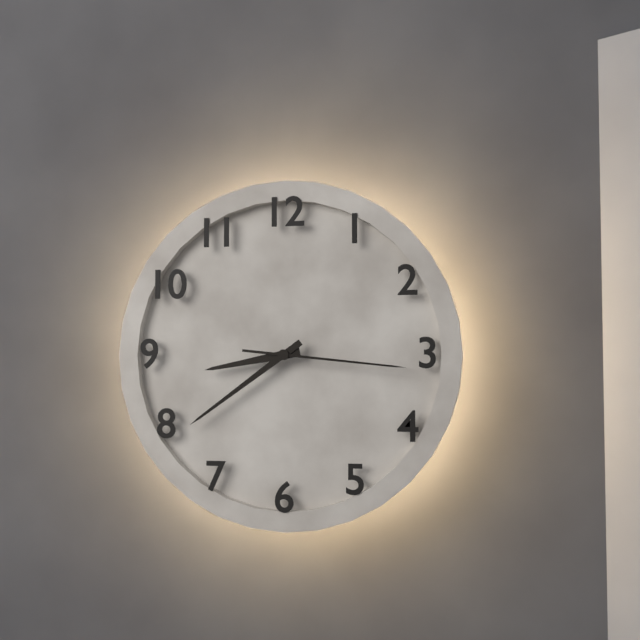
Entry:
h=8 m=39 s=16
